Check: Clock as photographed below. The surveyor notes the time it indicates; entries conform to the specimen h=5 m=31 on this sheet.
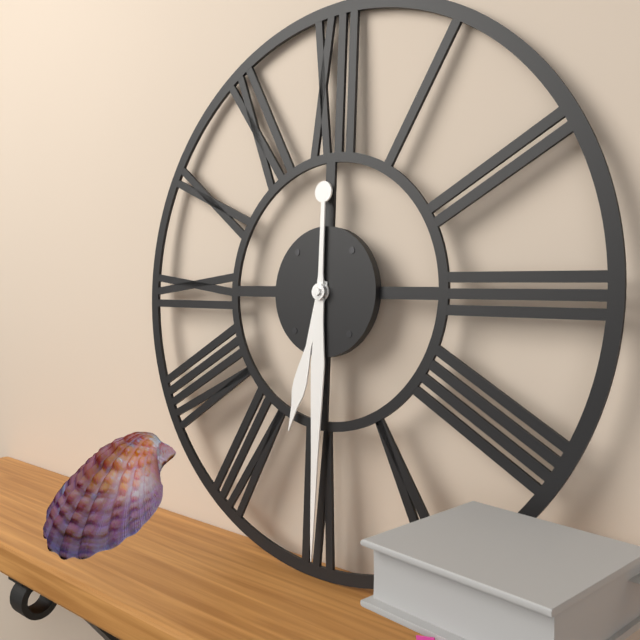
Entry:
h=6 m=30
